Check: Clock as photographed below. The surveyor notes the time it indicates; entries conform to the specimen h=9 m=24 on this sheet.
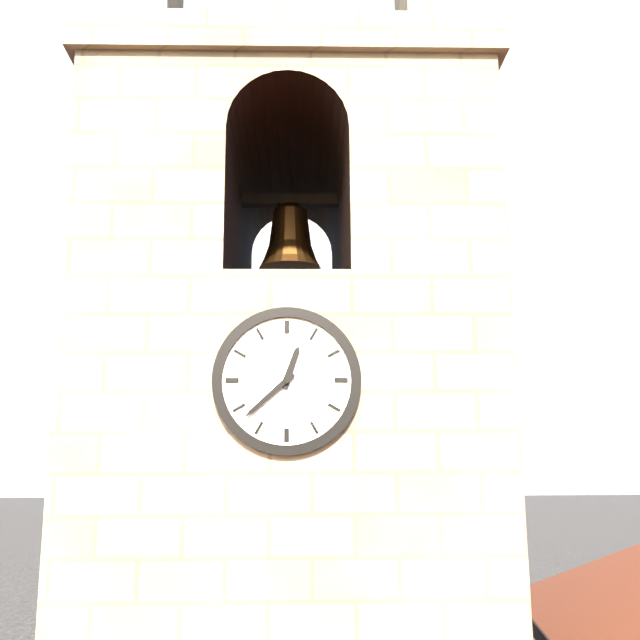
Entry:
h=12 m=38
